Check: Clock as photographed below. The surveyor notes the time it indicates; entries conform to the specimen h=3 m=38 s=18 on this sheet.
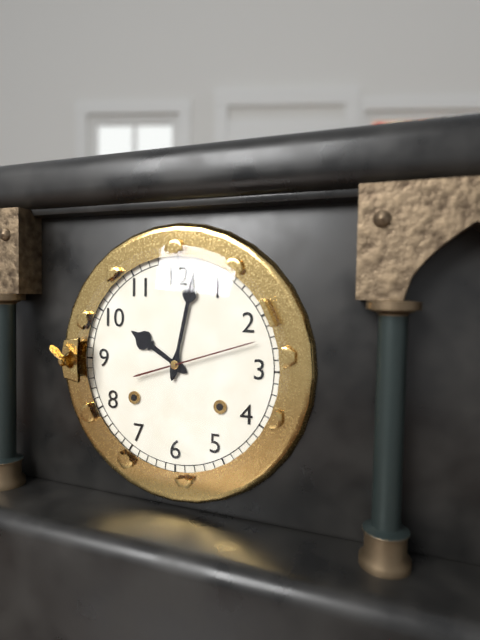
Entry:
h=10 m=2 s=12
